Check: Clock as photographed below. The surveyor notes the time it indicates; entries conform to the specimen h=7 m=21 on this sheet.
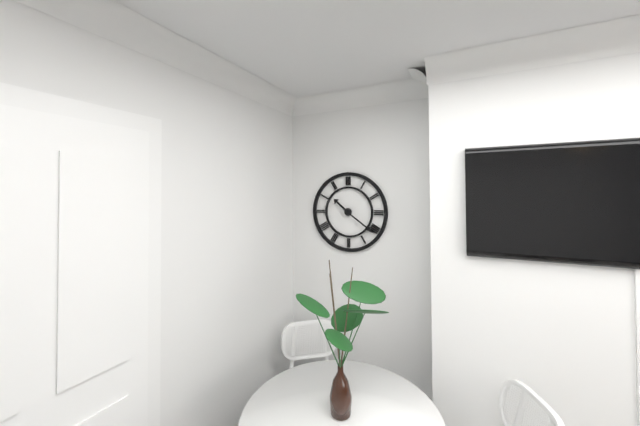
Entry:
h=10 m=21
